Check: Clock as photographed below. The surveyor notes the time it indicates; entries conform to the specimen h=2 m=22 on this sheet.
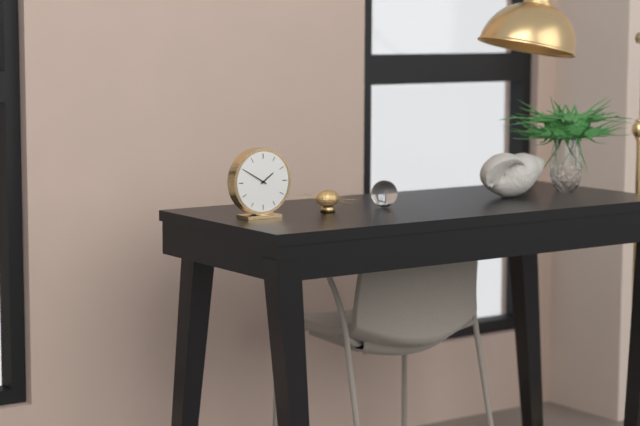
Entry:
h=1 m=50
